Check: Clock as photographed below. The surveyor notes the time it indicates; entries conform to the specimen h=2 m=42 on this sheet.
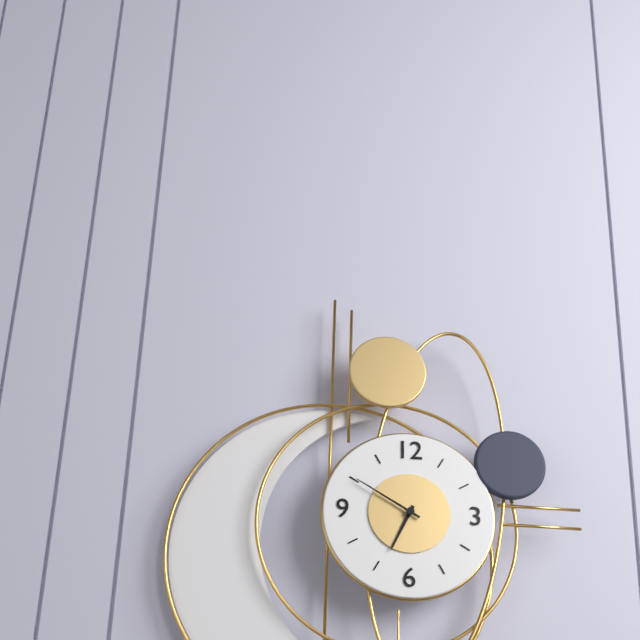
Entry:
h=6 m=50
